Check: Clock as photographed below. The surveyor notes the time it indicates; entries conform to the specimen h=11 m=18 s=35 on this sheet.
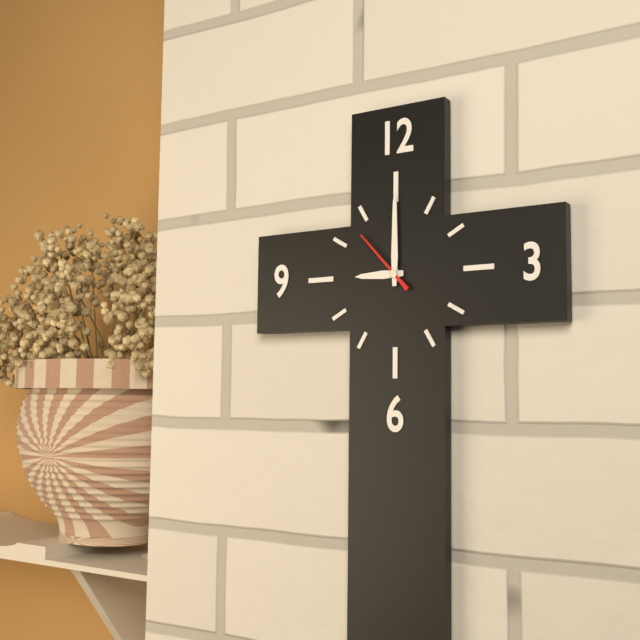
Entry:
h=9 m=0 s=53
